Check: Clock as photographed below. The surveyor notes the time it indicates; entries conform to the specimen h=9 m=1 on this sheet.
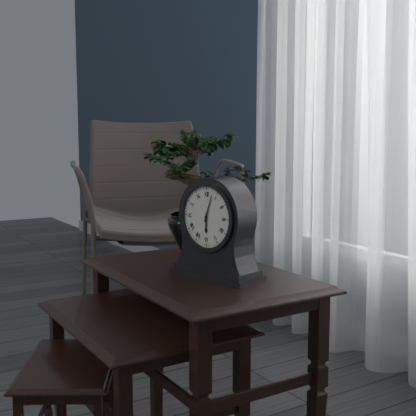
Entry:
h=6 m=3
